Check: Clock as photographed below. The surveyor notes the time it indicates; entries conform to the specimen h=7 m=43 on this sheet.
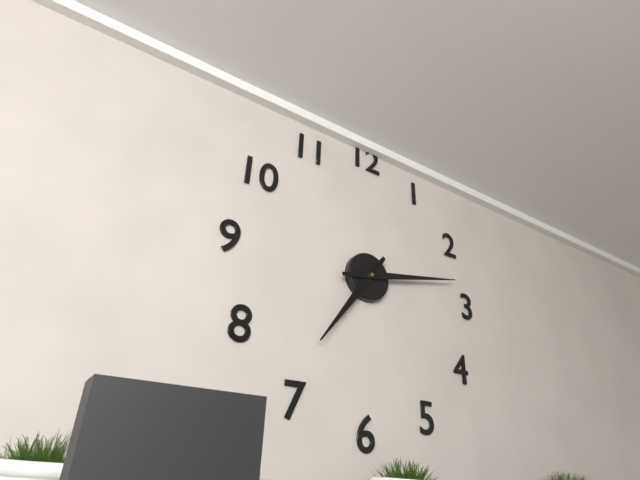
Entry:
h=7 m=13
